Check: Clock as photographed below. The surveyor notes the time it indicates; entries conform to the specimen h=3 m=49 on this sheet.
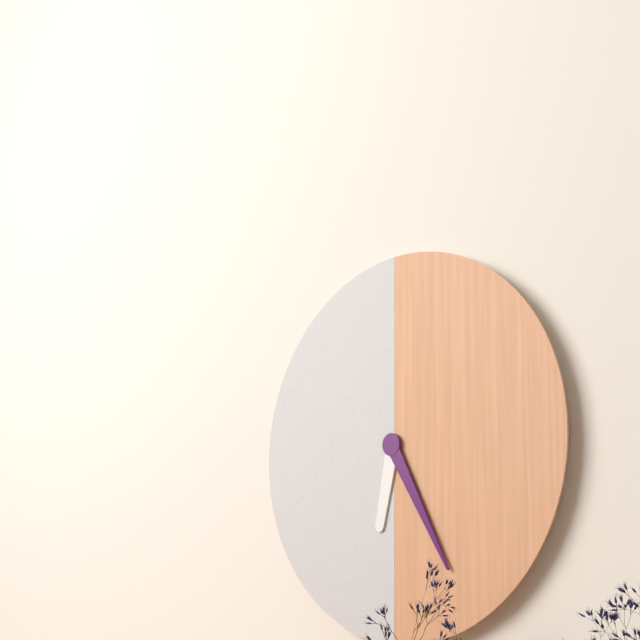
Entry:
h=6 m=25
